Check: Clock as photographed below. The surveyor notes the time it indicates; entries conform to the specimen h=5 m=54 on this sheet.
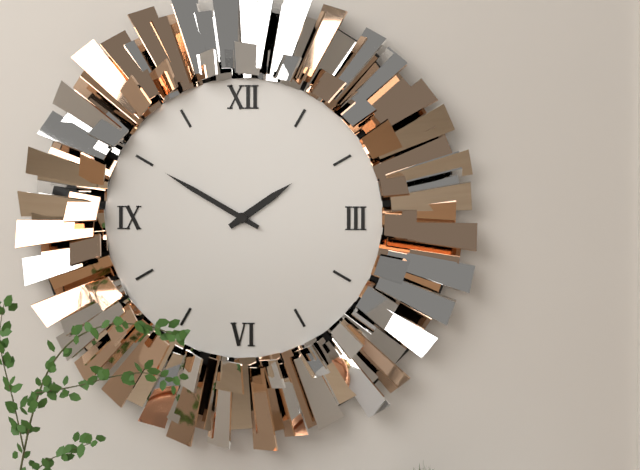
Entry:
h=1 m=50
